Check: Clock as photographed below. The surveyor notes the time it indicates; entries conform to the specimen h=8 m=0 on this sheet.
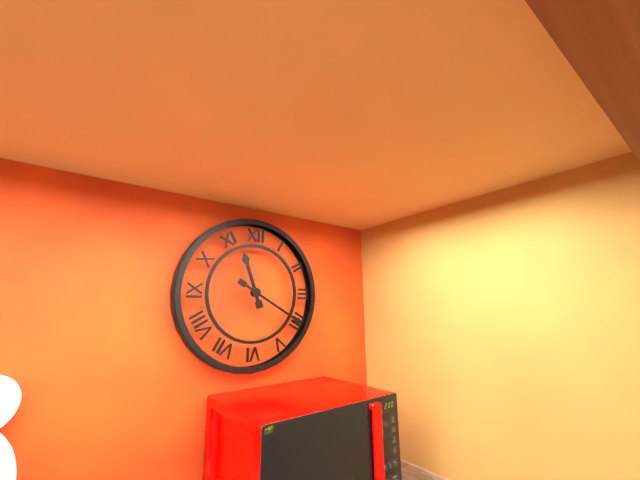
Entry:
h=11 m=20
